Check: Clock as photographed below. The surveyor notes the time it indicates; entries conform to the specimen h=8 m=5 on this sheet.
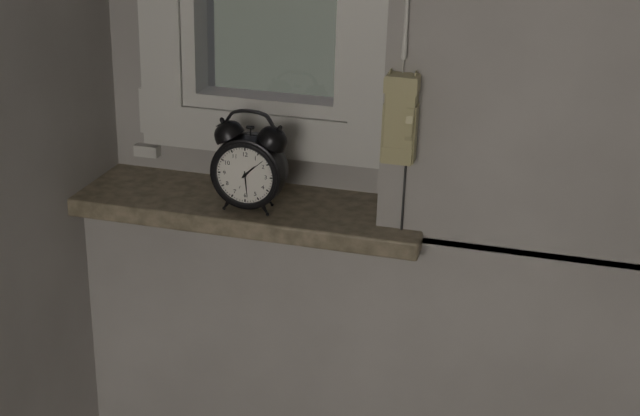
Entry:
h=1 m=29
